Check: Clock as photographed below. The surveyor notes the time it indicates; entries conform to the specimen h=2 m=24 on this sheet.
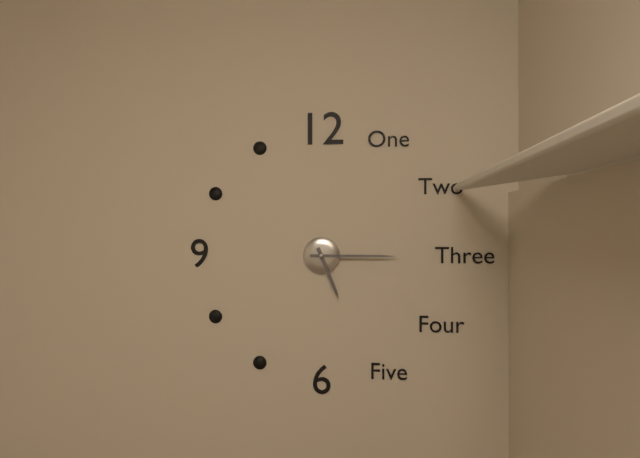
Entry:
h=5 m=15
